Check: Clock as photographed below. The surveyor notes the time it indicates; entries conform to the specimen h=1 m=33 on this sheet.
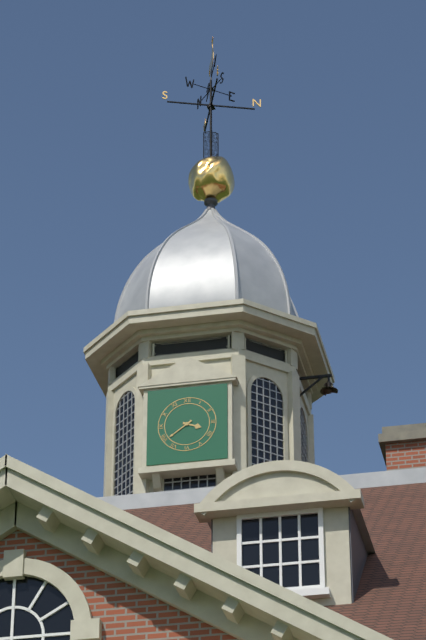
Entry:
h=3 m=39
